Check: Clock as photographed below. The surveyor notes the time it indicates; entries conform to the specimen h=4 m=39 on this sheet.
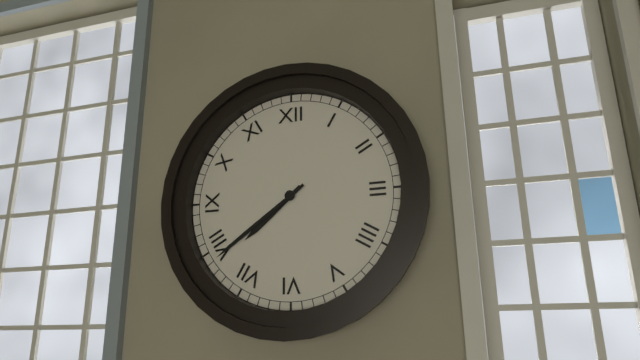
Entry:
h=7 m=39
